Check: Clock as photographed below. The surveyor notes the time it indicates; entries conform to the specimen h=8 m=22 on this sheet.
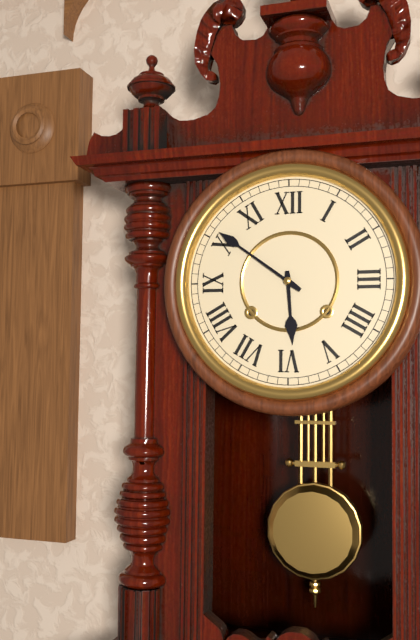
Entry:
h=5 m=51
